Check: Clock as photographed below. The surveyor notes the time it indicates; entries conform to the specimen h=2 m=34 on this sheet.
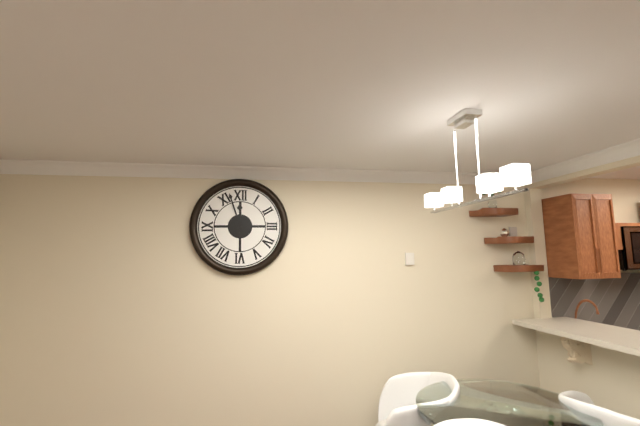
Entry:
h=11 m=57
